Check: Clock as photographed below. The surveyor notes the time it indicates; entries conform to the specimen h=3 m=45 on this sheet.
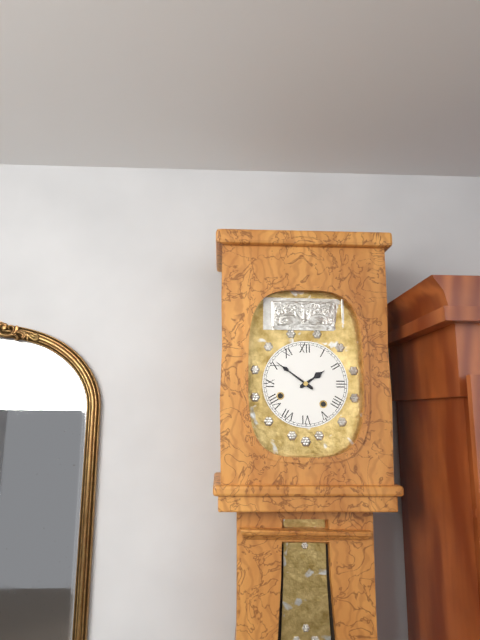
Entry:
h=1 m=51
